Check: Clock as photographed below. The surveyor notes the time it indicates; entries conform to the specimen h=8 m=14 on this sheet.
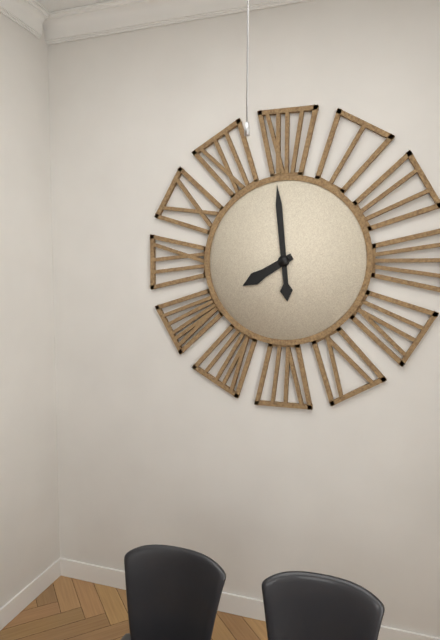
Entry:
h=7 m=59
